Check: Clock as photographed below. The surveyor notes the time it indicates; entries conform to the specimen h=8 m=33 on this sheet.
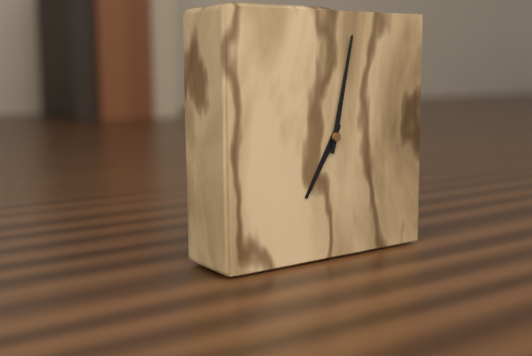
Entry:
h=7 m=2
